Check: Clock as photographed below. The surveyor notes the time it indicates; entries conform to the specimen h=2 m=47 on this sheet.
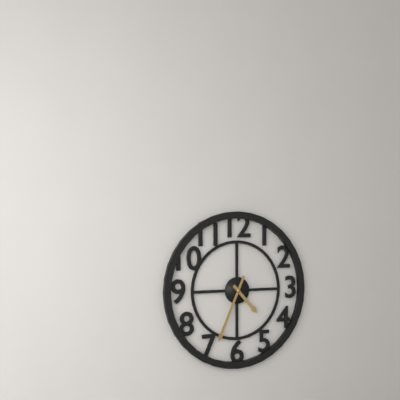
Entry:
h=4 m=34
